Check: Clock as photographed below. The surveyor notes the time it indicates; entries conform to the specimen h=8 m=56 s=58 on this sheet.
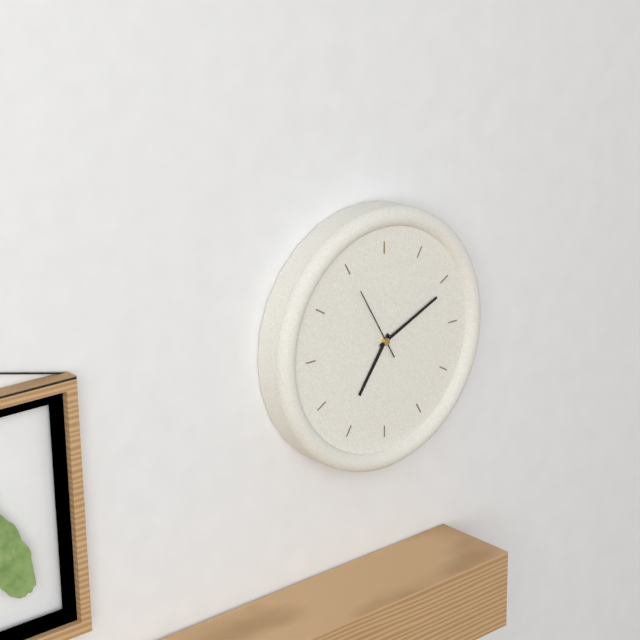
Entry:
h=7 m=11 s=55
